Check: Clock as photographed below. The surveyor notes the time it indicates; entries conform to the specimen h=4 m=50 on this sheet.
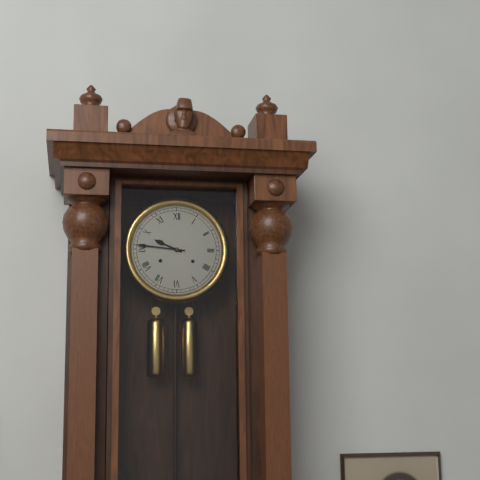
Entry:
h=9 m=46
